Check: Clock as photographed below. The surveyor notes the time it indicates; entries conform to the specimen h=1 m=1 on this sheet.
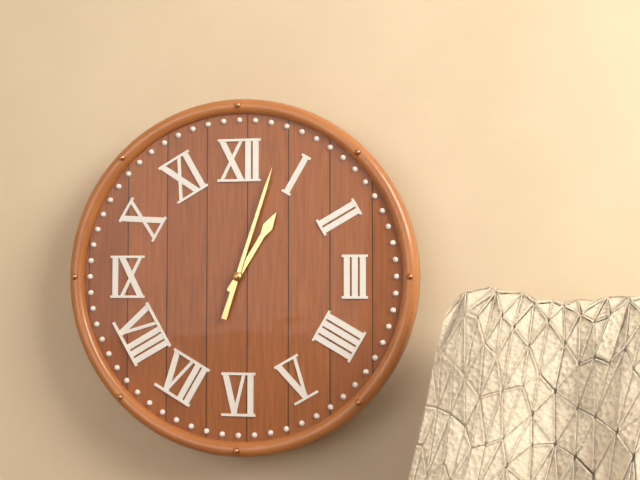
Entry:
h=1 m=3
